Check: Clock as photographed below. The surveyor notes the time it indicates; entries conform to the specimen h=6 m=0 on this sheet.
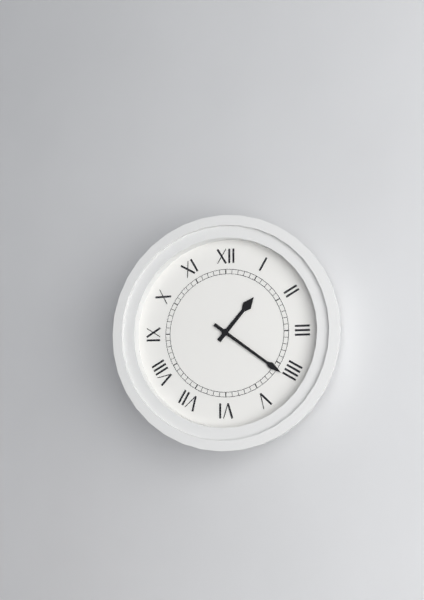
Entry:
h=1 m=21
